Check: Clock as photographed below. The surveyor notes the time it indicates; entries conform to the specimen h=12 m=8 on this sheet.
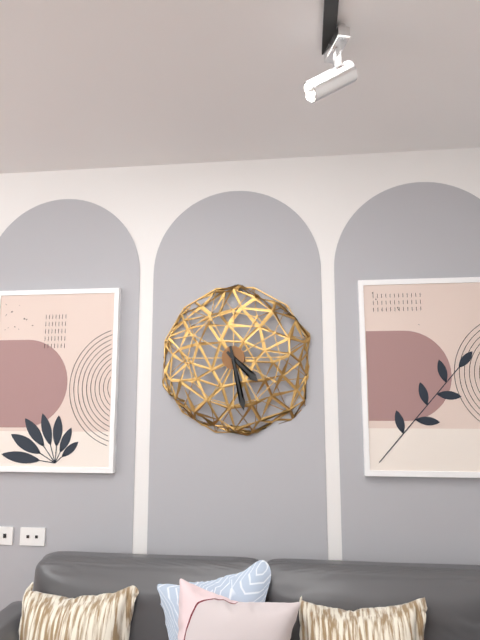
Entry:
h=4 m=28
